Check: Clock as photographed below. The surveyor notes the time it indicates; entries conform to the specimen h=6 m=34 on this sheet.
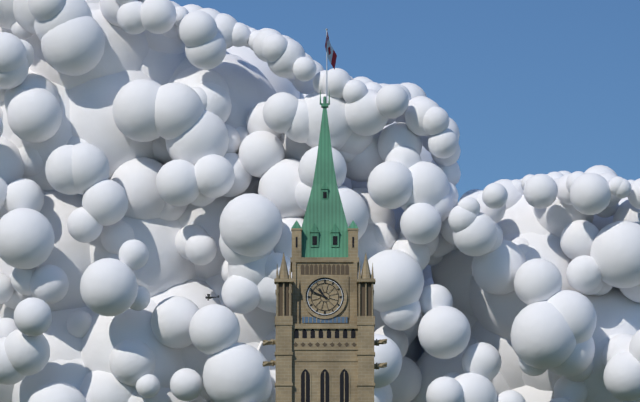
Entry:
h=10 m=49
